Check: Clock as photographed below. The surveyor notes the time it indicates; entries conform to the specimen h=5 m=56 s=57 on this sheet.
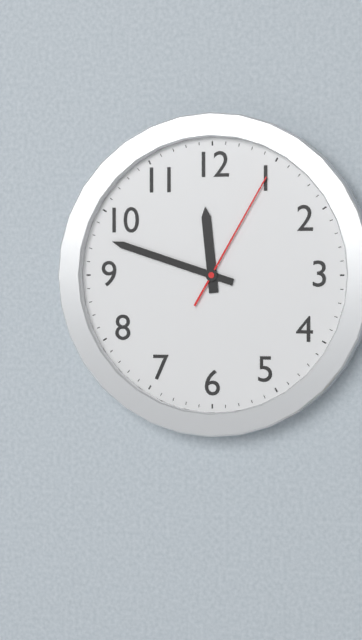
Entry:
h=11 m=48 s=5
